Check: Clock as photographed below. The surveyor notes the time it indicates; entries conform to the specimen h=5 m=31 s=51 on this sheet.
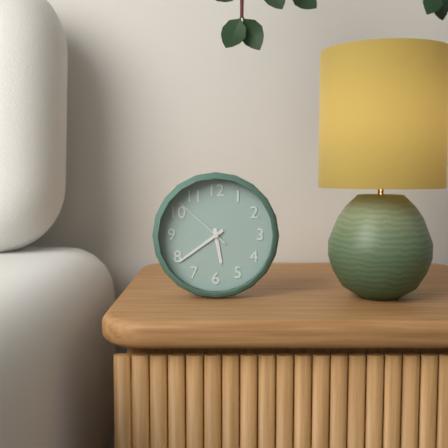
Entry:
h=5 m=39 s=52
